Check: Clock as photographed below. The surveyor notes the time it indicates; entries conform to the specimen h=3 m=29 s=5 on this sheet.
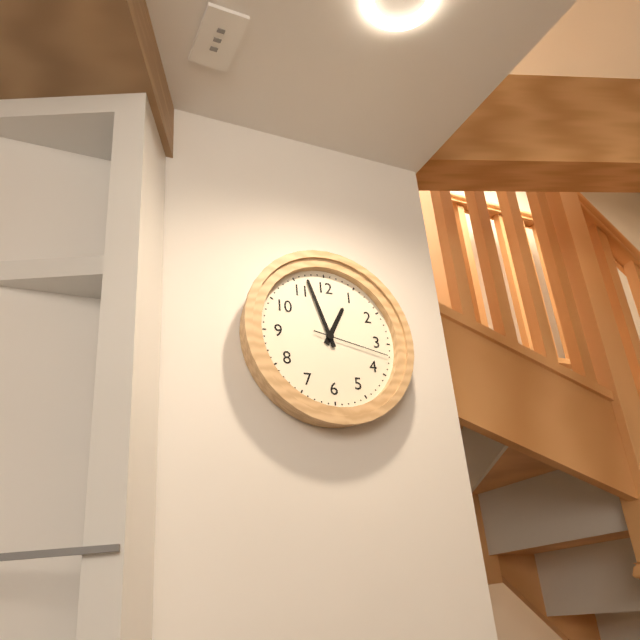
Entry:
h=12 m=57 s=17
